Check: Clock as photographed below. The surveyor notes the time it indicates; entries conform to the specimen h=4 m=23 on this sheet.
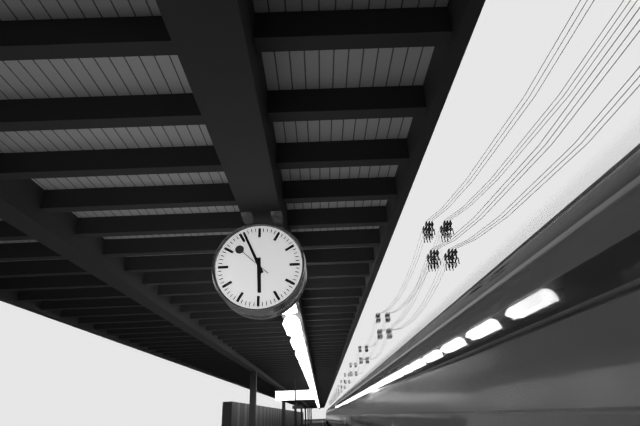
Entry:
h=5 m=56
